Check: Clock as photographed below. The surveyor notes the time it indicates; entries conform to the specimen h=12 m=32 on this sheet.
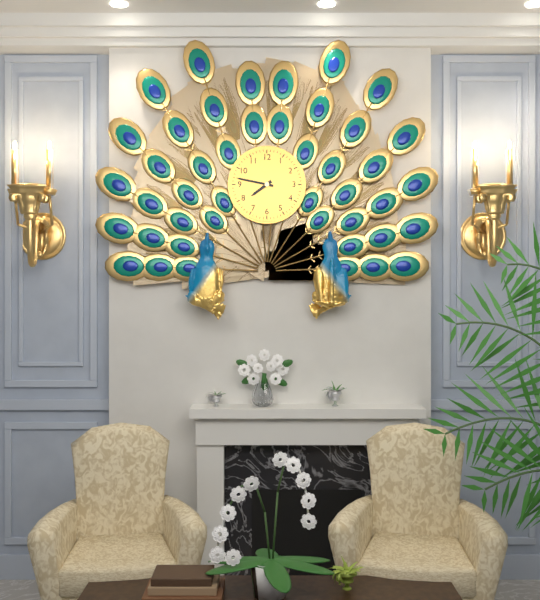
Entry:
h=7 m=47
